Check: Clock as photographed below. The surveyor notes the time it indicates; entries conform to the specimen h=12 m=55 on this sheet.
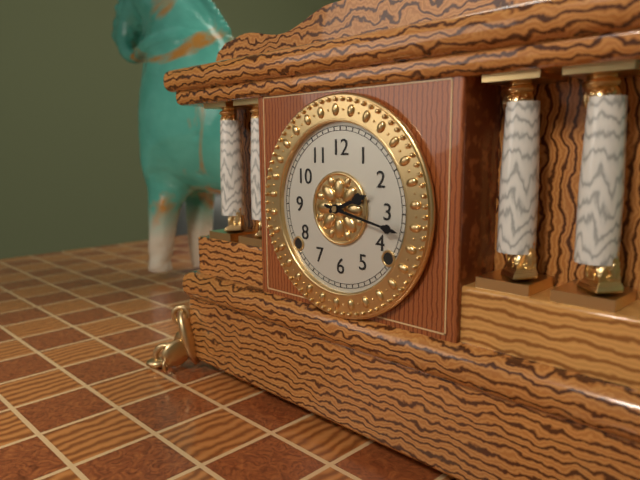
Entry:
h=2 m=17
